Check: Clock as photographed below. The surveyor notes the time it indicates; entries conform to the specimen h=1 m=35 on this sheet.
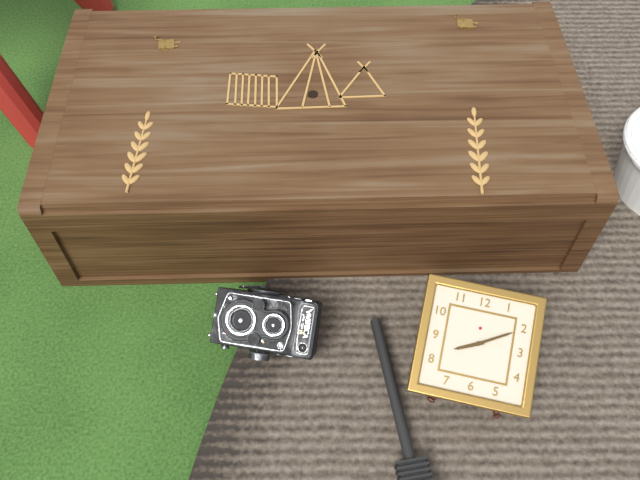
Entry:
h=8 m=10
